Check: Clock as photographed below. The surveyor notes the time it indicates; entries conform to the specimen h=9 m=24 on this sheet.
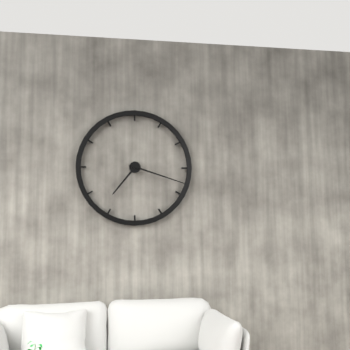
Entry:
h=7 m=18
